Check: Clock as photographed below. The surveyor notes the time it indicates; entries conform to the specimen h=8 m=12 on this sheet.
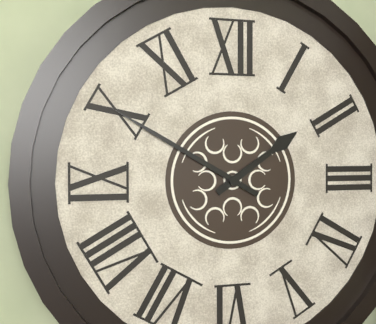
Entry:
h=1 m=50
